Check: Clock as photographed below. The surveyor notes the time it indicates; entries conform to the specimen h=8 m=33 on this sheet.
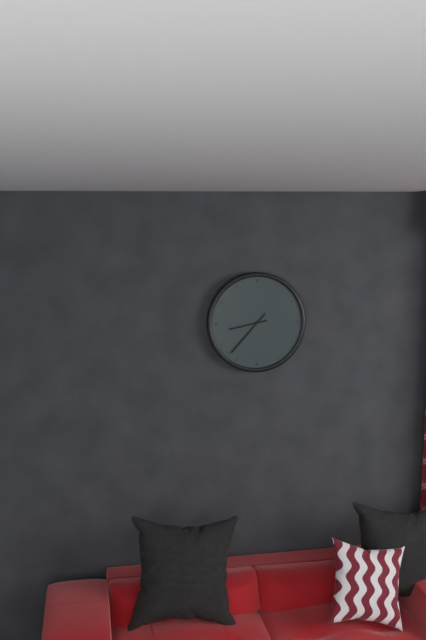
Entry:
h=8 m=37
